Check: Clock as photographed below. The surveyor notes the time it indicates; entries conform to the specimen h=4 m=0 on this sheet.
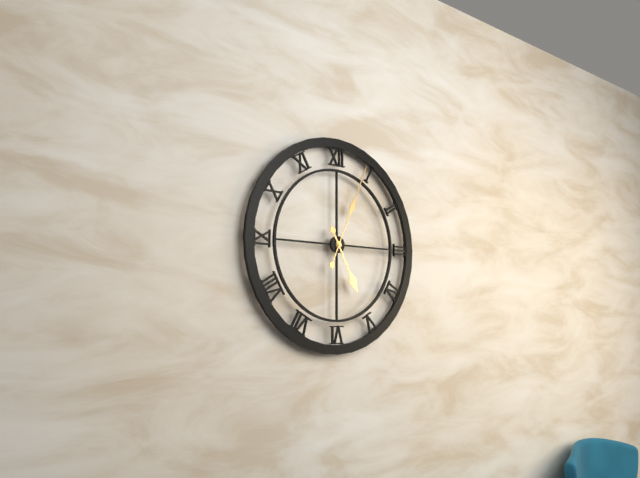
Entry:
h=5 m=4
